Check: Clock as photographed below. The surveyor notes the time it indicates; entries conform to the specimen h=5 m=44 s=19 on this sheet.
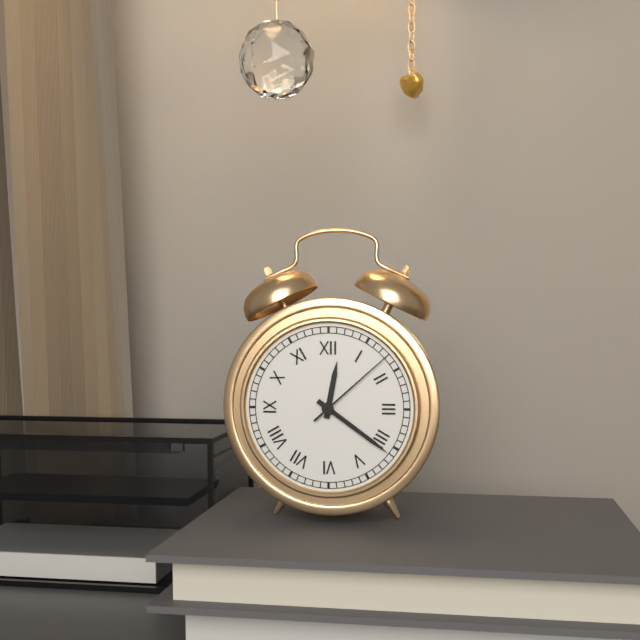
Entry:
h=12 m=21 s=8
